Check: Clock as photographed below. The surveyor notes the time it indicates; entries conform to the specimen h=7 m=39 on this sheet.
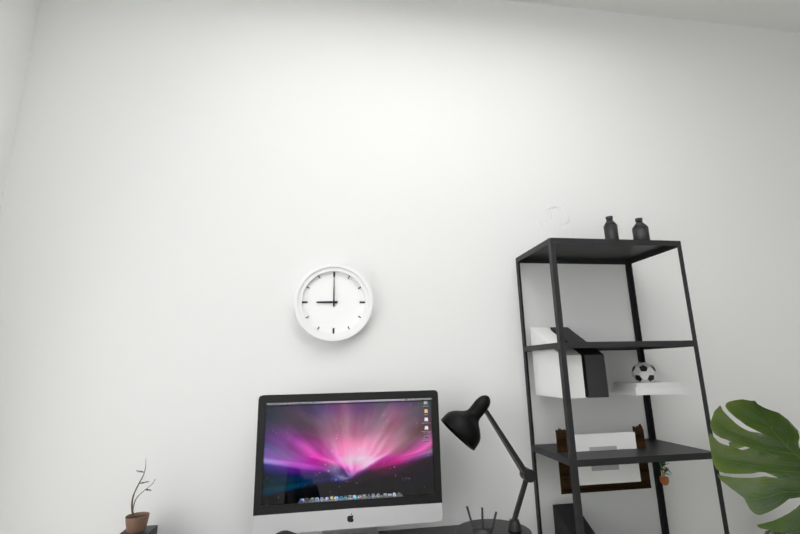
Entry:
h=9 m=0
